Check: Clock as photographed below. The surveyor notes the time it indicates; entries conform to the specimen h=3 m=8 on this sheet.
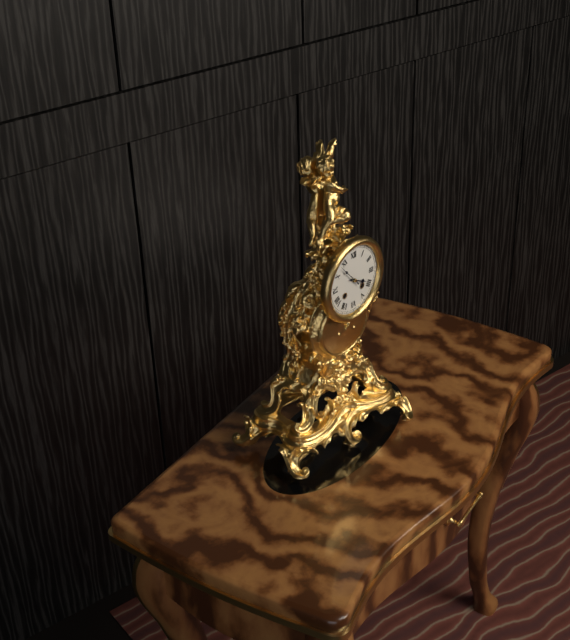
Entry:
h=3 m=53
